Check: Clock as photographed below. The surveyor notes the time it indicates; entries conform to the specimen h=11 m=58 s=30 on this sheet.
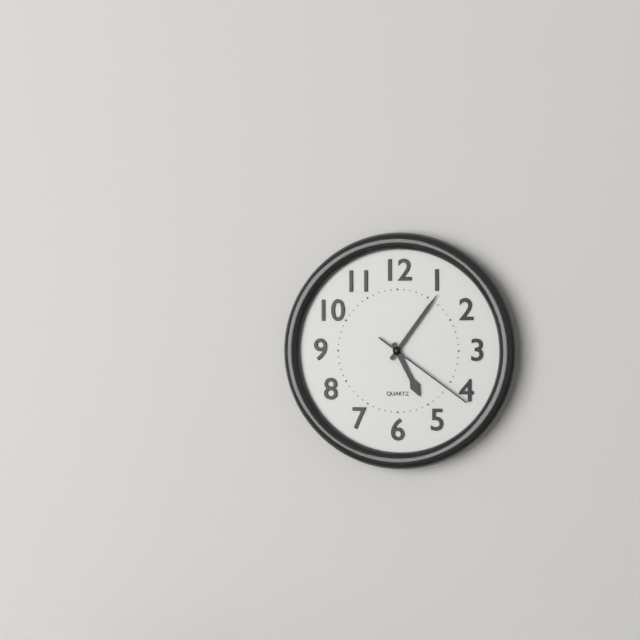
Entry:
h=5 m=6 s=21
